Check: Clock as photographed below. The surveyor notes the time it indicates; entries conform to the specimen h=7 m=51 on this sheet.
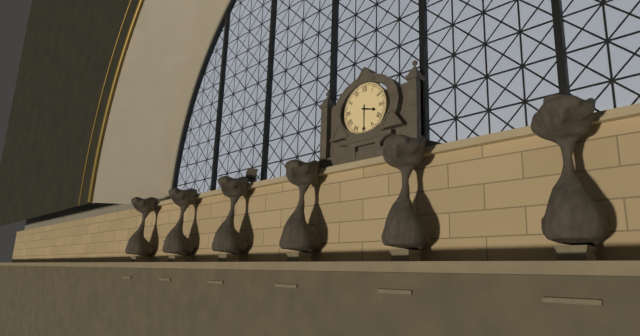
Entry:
h=3 m=30
